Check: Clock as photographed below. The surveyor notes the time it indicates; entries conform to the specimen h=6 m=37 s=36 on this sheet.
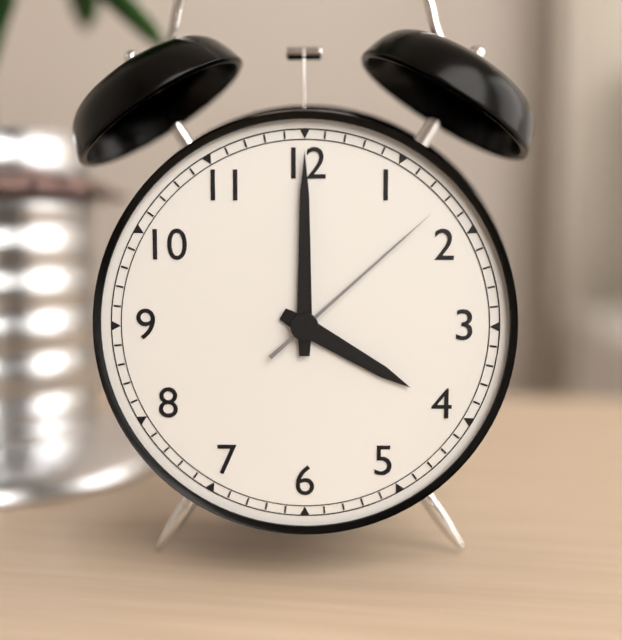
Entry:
h=4 m=0 s=8
